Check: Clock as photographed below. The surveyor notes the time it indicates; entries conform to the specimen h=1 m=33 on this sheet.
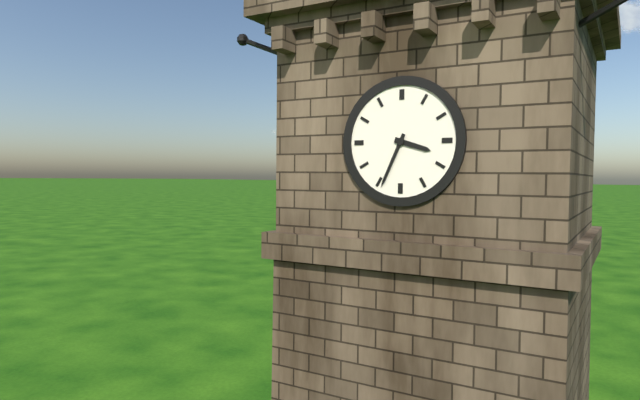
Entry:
h=3 m=34
